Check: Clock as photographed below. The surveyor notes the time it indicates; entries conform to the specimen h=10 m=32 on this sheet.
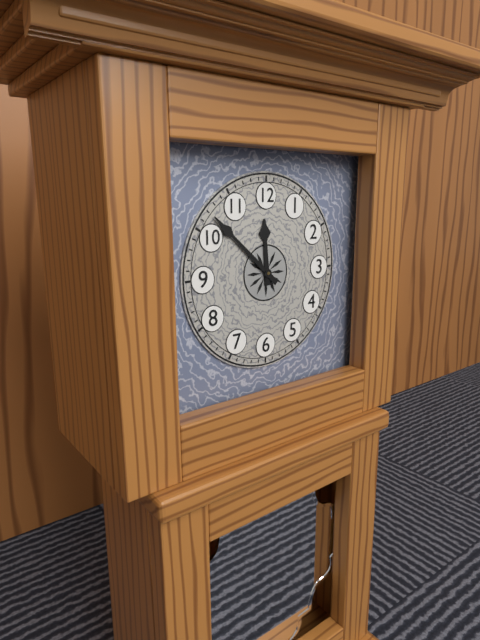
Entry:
h=11 m=52
